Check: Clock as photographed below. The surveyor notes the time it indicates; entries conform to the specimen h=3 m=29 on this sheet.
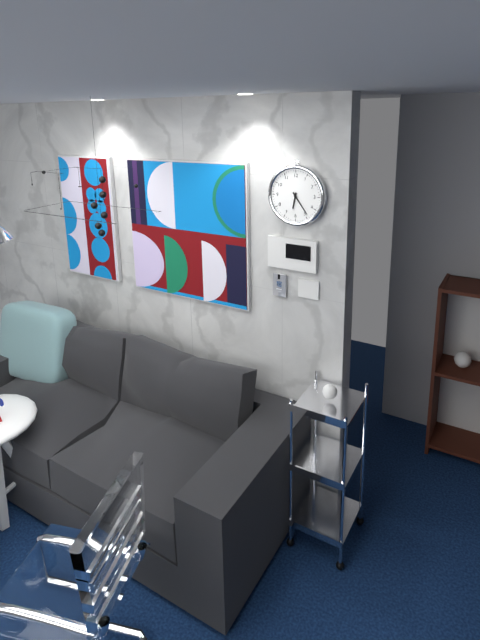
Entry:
h=6 m=24
